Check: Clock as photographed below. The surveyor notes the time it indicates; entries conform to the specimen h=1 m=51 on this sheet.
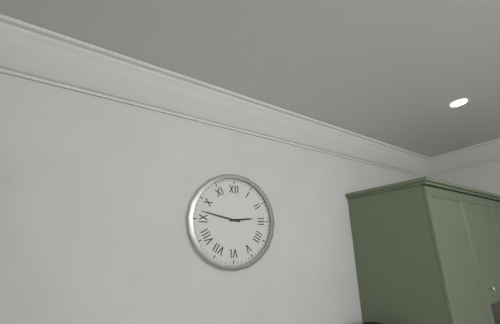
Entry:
h=2 m=47
